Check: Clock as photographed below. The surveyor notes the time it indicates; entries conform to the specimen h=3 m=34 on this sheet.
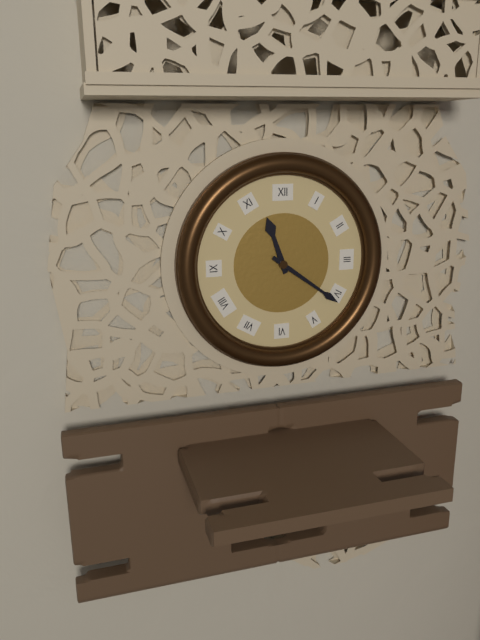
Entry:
h=11 m=21
